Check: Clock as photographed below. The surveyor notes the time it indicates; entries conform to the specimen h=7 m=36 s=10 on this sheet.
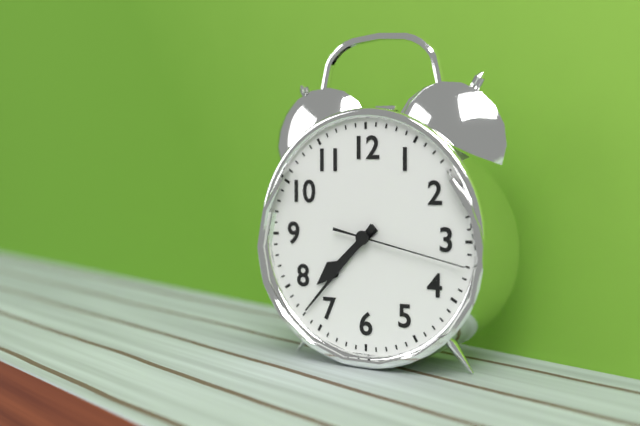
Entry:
h=7 m=37 s=17
